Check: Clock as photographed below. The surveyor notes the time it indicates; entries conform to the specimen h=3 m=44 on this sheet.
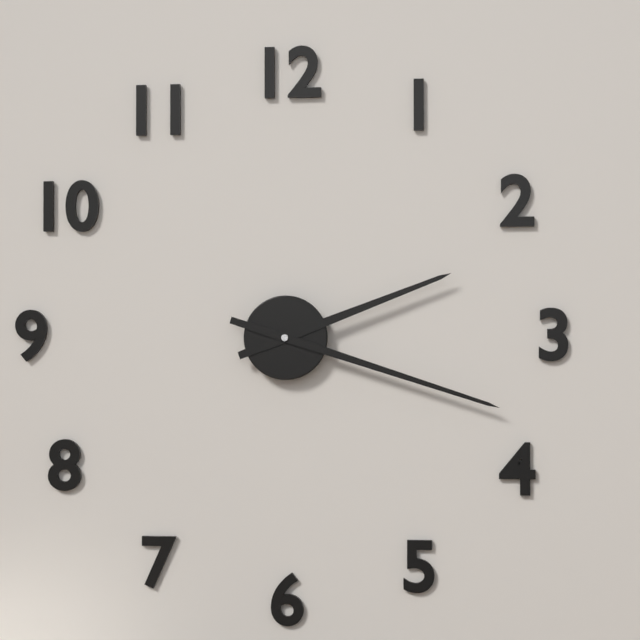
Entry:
h=2 m=18
